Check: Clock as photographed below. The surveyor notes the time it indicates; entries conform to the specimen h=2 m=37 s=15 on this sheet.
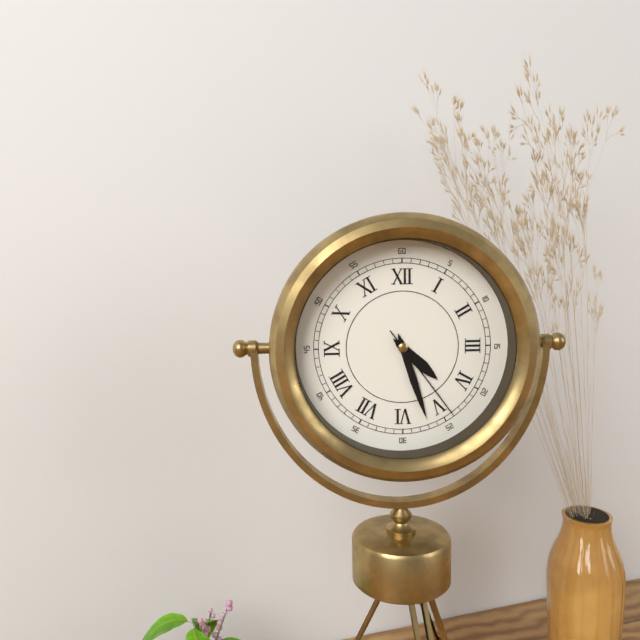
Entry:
h=4 m=27 s=24
